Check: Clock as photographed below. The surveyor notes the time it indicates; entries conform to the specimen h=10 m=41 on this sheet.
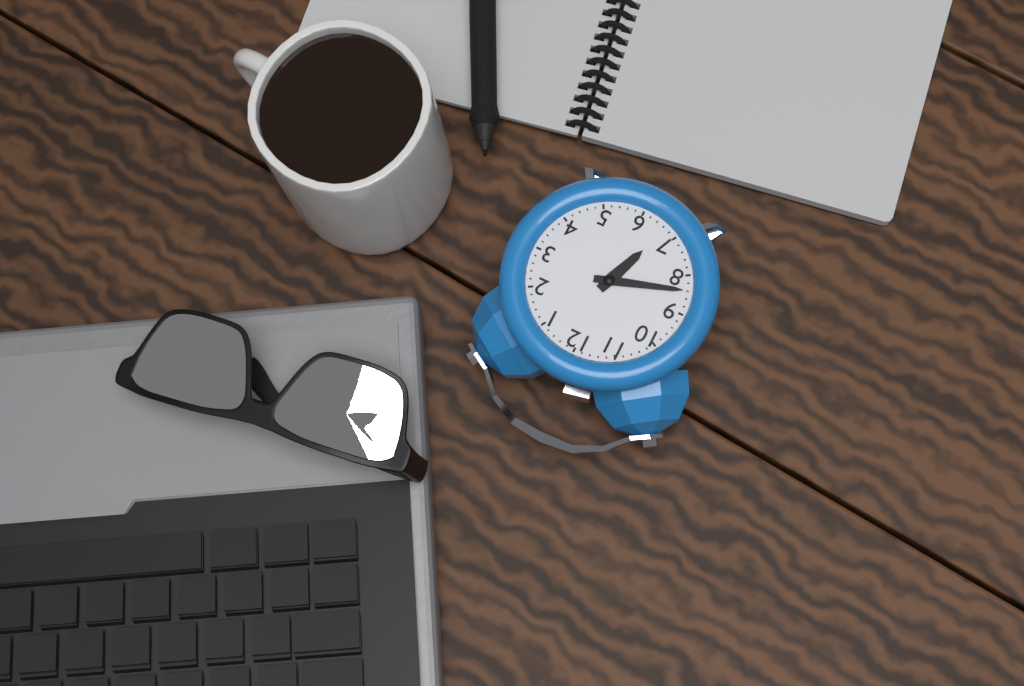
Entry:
h=6 m=42
